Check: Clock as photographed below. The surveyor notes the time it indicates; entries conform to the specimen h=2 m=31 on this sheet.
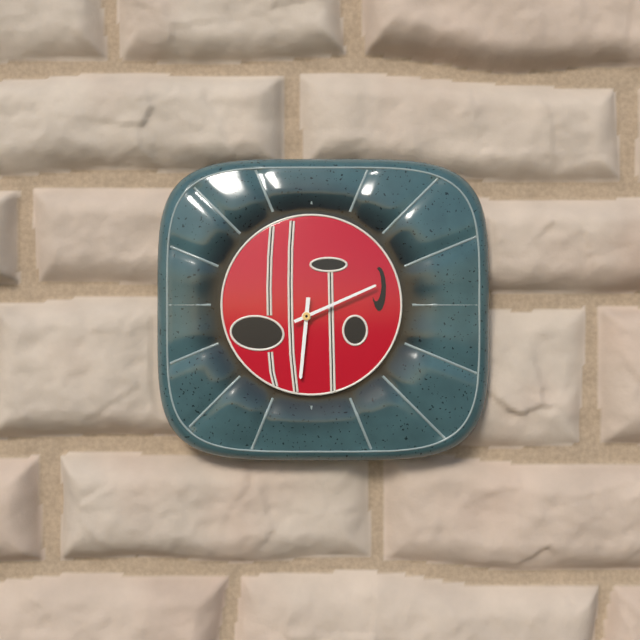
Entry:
h=6 m=11
